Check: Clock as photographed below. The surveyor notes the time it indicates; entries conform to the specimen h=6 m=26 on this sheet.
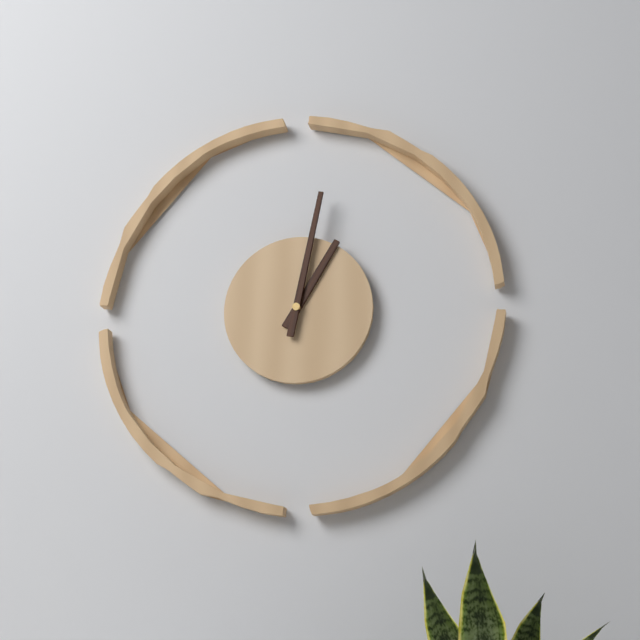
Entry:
h=1 m=2
